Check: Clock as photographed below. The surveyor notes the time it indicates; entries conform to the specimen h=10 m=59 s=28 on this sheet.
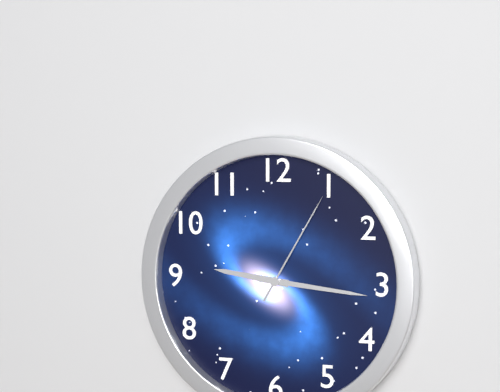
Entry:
h=9 m=16 s=5
